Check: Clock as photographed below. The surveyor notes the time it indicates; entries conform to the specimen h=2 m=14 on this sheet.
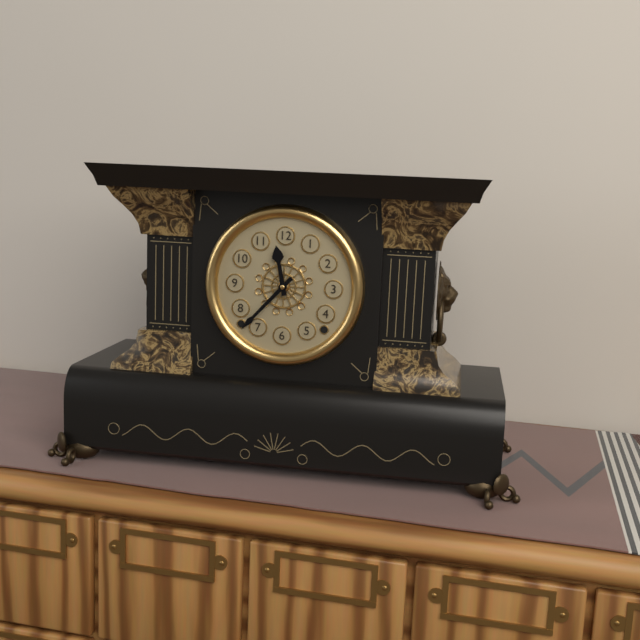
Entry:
h=11 m=37
